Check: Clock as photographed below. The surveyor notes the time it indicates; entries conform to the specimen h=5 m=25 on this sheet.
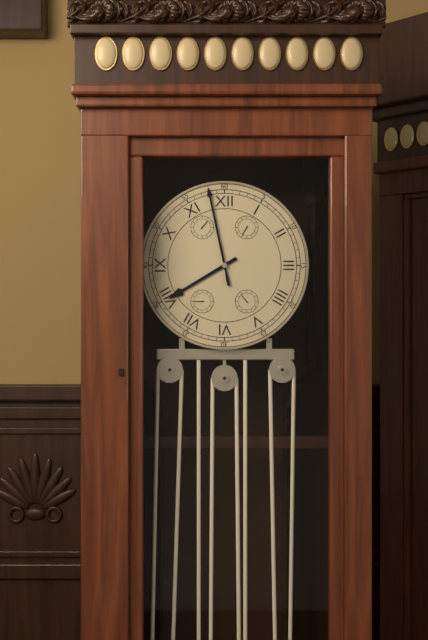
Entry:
h=7 m=58
